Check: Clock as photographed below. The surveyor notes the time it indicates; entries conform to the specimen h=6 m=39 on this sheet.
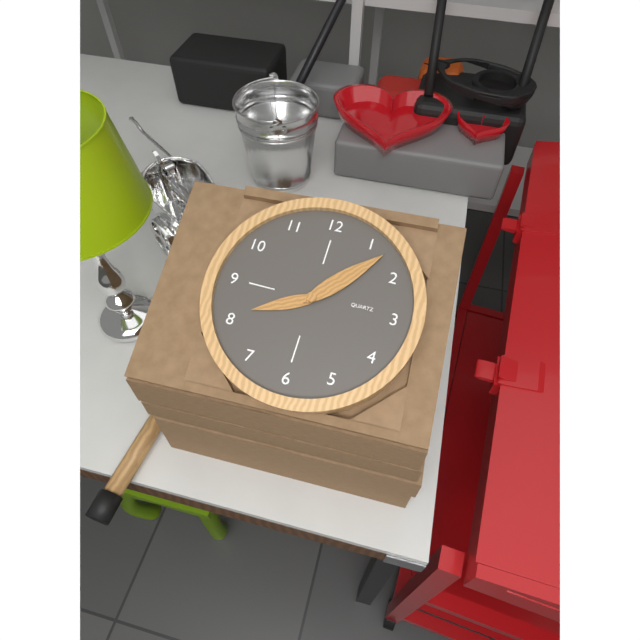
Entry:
h=8 m=7
